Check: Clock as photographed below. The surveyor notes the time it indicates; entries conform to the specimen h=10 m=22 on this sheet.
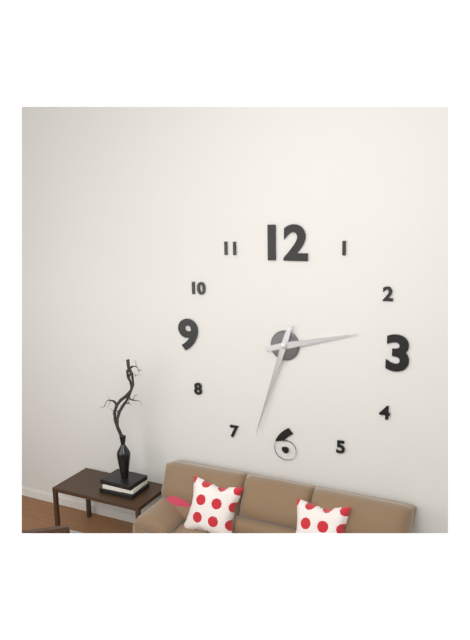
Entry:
h=2 m=33
